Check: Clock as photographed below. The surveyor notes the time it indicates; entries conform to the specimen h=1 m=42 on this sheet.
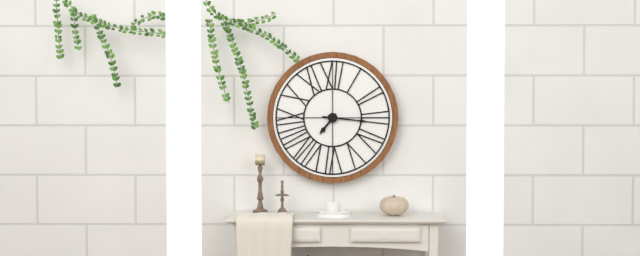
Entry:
h=7 m=16
